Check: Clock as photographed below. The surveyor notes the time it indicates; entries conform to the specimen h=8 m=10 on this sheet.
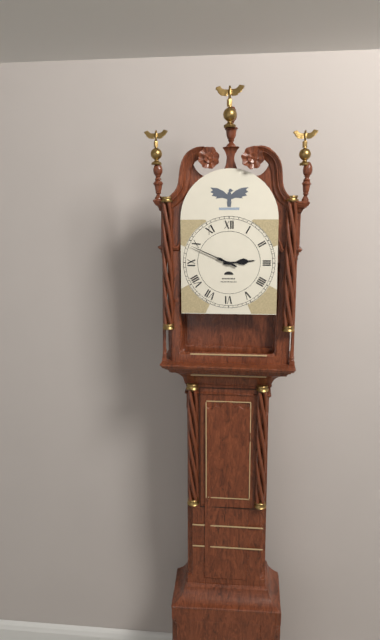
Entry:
h=2 m=49
